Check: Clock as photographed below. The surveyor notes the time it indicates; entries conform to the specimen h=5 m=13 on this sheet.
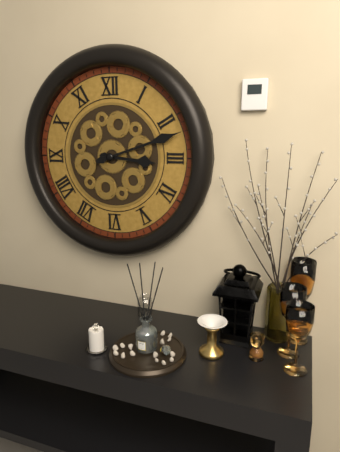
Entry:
h=3 m=12
